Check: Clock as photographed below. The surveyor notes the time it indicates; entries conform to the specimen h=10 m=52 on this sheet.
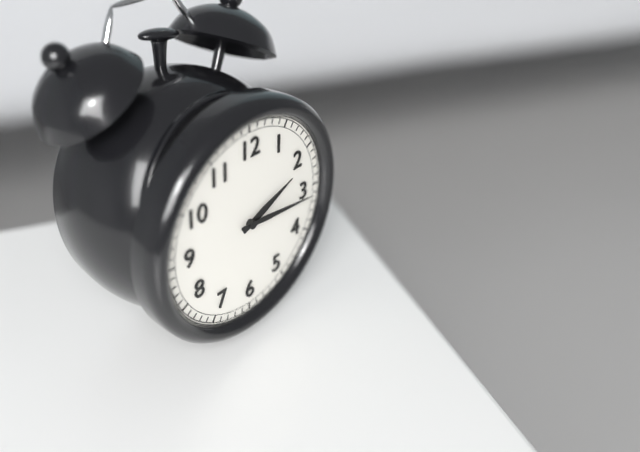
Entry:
h=2 m=16
